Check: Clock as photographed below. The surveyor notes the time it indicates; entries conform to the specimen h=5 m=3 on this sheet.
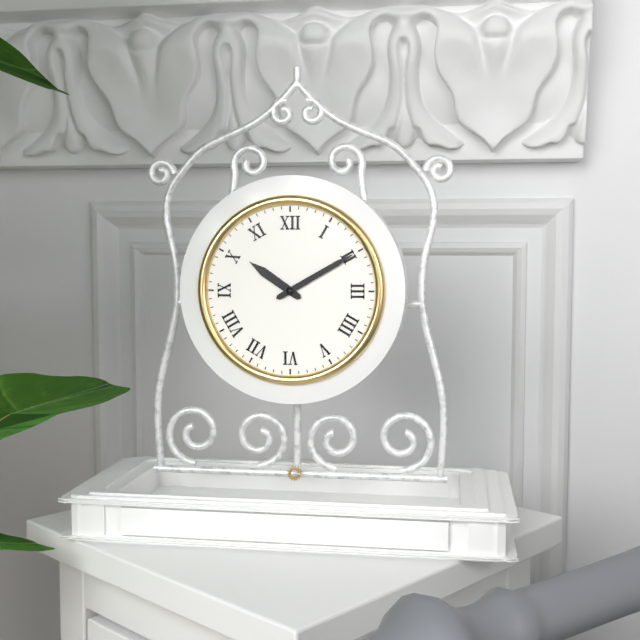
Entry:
h=10 m=10
